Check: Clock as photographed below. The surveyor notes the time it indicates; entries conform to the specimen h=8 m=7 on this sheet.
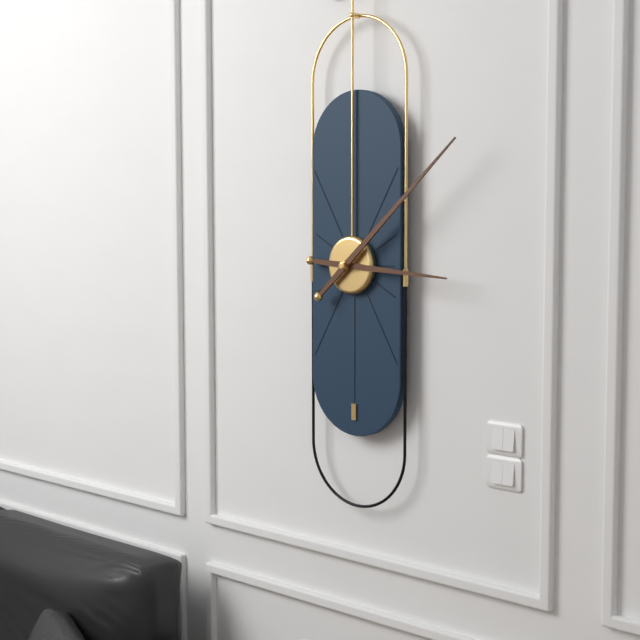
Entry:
h=3 m=8
